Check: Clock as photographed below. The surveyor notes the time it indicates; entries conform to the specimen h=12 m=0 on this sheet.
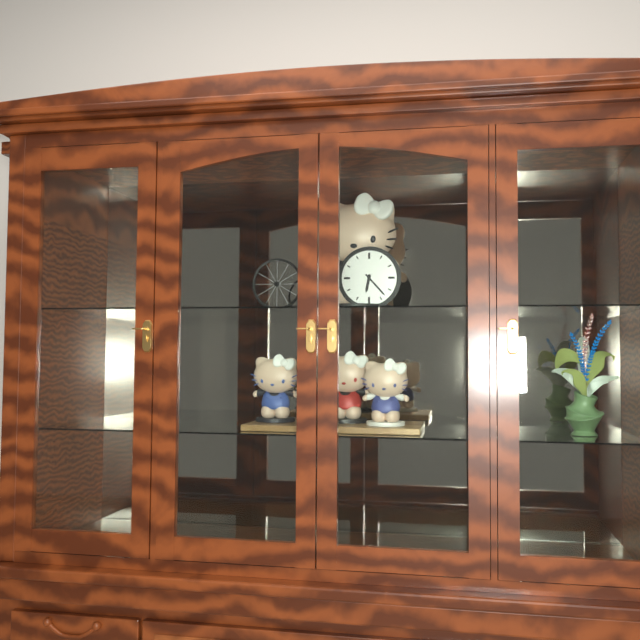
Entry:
h=6 m=23
